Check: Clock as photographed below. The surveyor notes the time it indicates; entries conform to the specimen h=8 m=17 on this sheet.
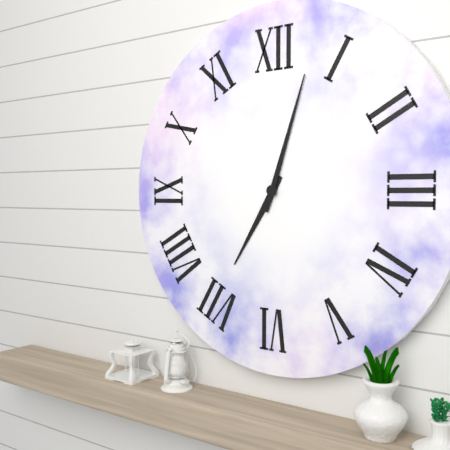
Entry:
h=7 m=3
